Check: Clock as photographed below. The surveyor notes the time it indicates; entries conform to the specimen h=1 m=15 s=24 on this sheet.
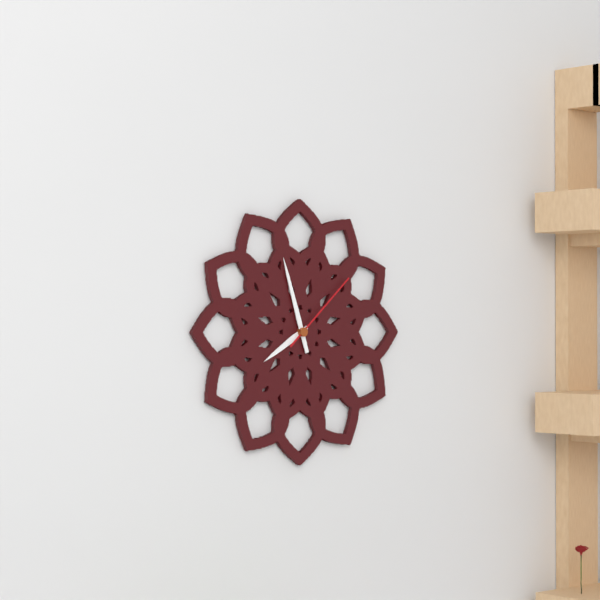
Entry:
h=7 m=57 s=8
